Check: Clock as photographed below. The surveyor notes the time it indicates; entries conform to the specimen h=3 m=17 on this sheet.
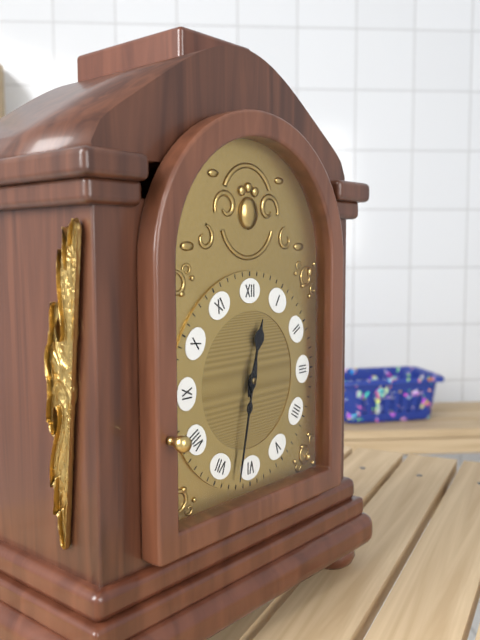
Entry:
h=12 m=32
